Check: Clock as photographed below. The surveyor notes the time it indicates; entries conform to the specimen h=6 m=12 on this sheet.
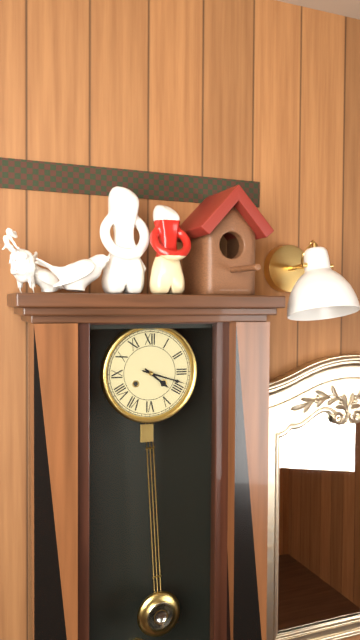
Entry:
h=4 m=18
